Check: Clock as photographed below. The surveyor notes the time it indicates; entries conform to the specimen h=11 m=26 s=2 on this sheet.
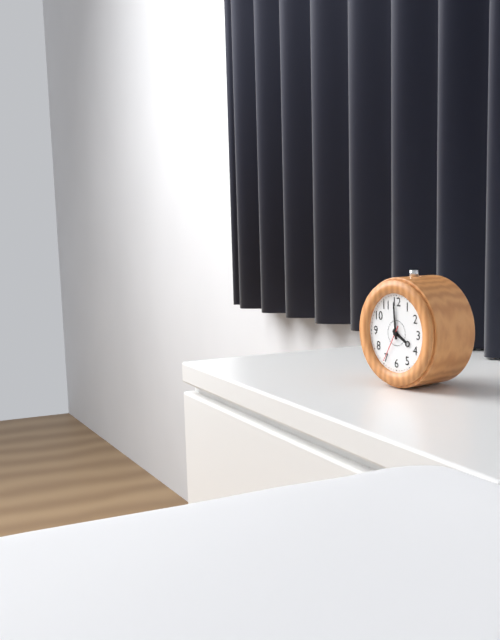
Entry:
h=3 m=59 s=35
